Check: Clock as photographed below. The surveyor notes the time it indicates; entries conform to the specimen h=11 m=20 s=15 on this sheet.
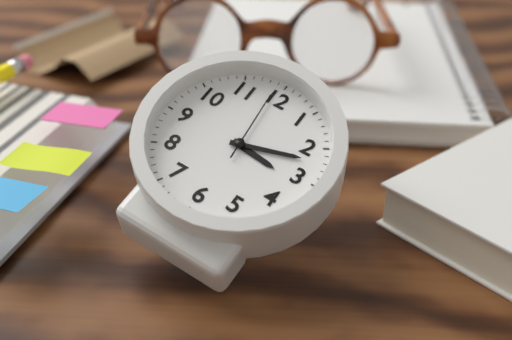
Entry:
h=3 m=12 s=59
